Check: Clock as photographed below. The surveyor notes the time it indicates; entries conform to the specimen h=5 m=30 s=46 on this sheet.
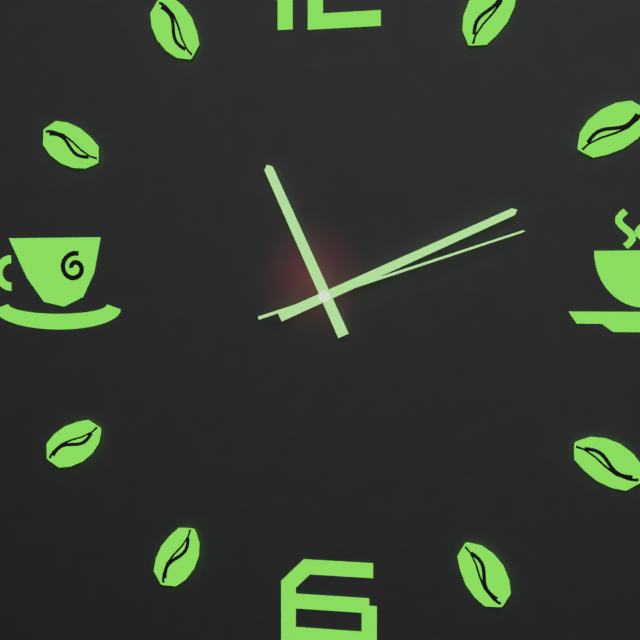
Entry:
h=11 m=11 s=12
